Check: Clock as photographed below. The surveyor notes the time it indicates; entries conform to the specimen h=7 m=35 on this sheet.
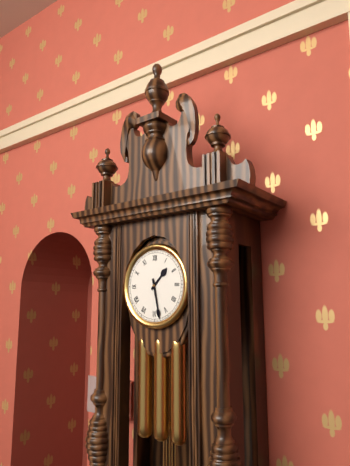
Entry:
h=1 m=28
